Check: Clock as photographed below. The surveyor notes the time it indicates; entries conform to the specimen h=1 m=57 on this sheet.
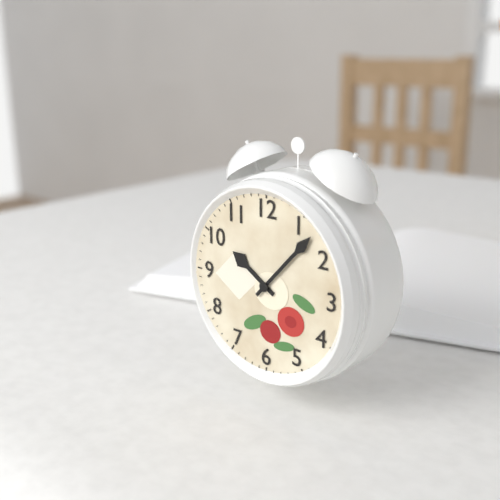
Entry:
h=10 m=7
